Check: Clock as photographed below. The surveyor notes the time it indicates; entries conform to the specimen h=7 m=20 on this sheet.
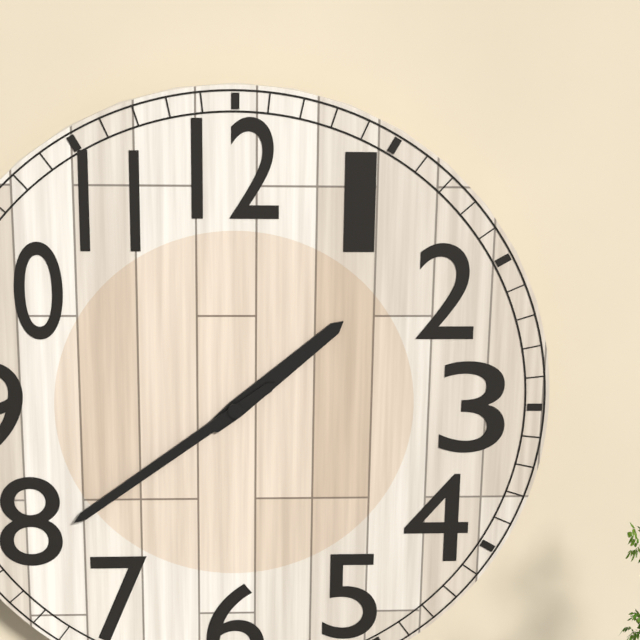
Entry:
h=1 m=39
